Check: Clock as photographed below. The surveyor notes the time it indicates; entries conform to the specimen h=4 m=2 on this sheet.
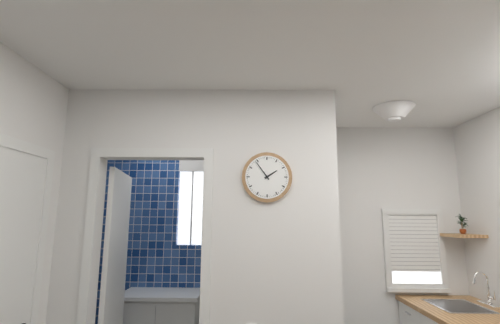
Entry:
h=1 m=54
